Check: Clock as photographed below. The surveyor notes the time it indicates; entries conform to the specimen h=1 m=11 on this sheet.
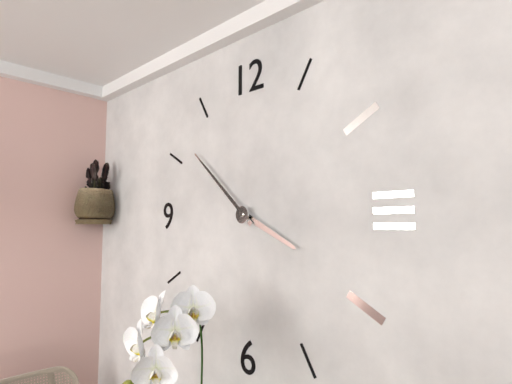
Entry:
h=3 m=52
